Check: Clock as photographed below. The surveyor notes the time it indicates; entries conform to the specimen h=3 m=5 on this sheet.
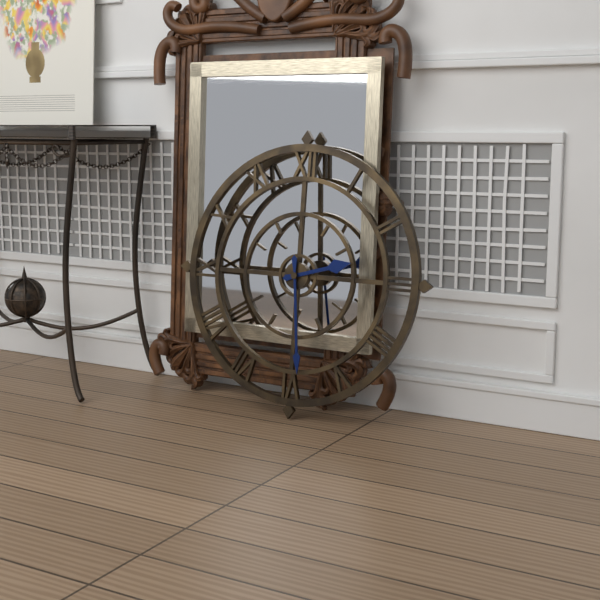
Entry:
h=2 m=29
